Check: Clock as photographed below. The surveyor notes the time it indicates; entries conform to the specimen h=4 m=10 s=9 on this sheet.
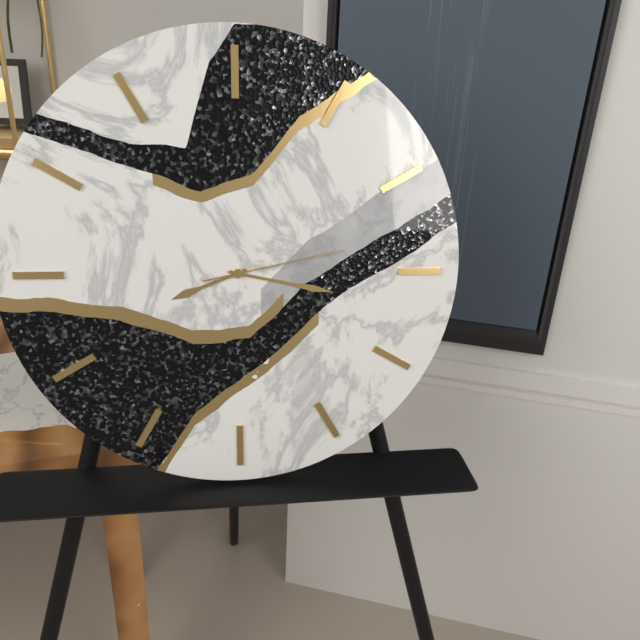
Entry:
h=8 m=17 s=13
